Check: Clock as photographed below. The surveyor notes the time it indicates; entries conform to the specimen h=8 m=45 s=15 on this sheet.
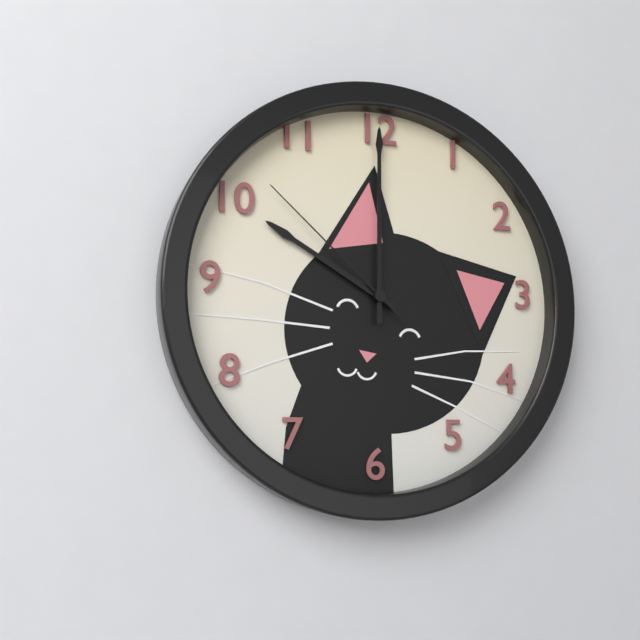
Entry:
h=10 m=0 s=52
